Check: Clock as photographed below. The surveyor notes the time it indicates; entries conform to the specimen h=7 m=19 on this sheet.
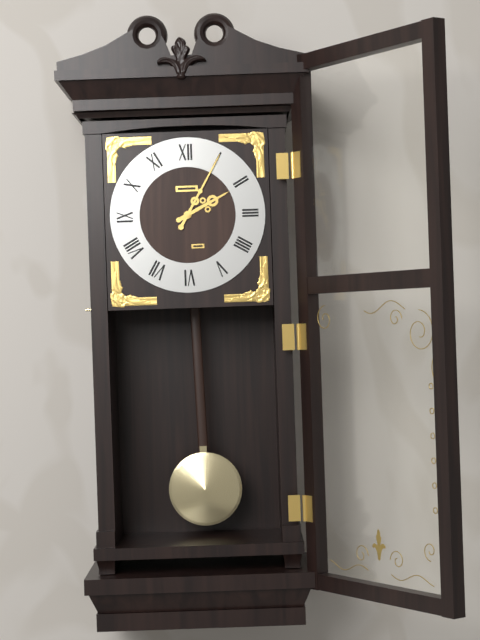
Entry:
h=2 m=5
